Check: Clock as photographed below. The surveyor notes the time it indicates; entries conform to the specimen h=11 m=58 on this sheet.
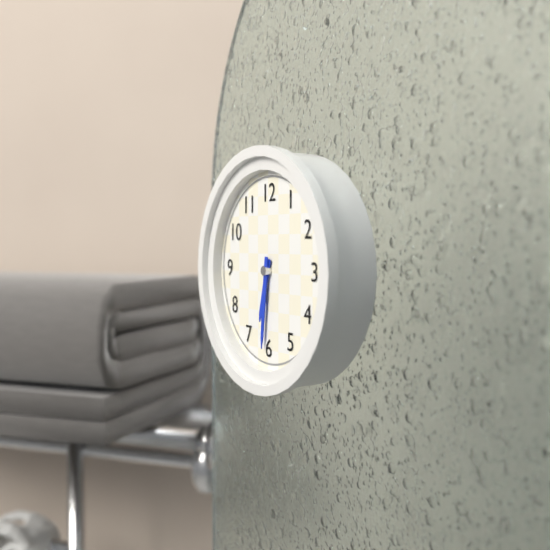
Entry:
h=6 m=31
